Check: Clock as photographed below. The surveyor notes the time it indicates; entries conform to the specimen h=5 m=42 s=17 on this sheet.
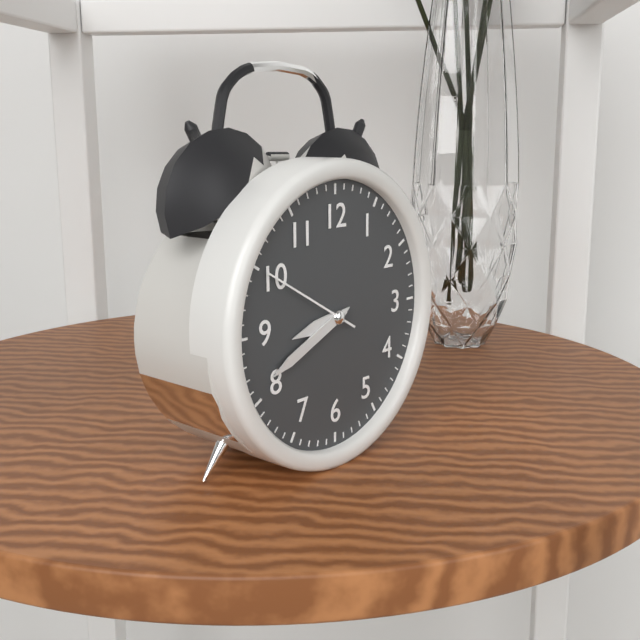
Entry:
h=8 m=41 s=50
